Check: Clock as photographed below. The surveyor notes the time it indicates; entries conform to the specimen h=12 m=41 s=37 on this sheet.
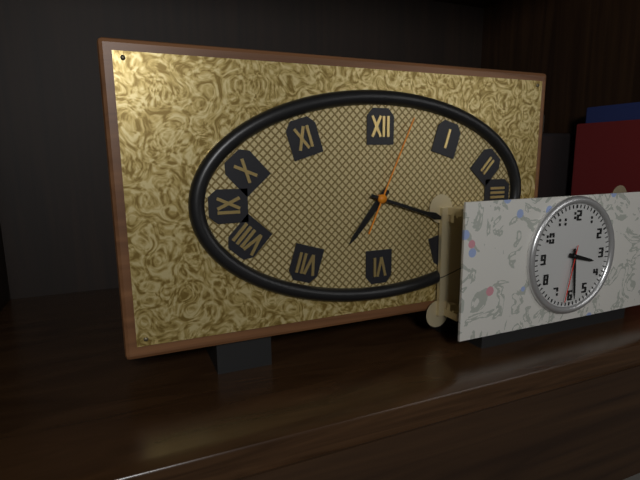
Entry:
h=7 m=18 s=4
